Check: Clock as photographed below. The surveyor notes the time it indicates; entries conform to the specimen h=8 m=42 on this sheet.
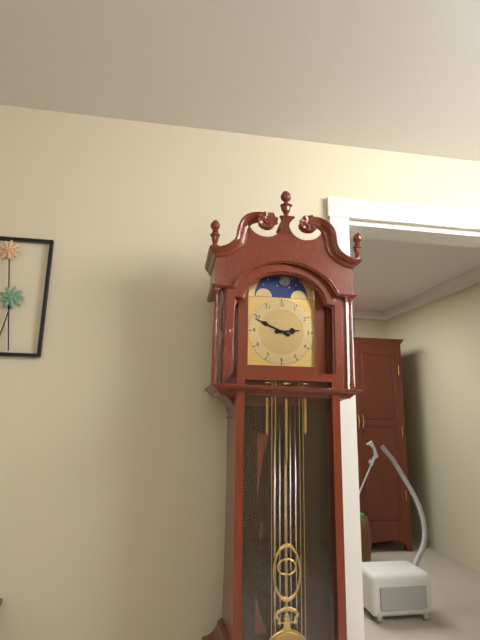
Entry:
h=2 m=49
